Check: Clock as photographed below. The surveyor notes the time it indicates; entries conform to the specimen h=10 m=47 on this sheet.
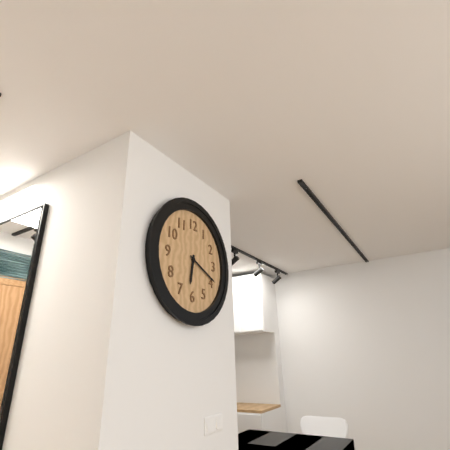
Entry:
h=6 m=19
